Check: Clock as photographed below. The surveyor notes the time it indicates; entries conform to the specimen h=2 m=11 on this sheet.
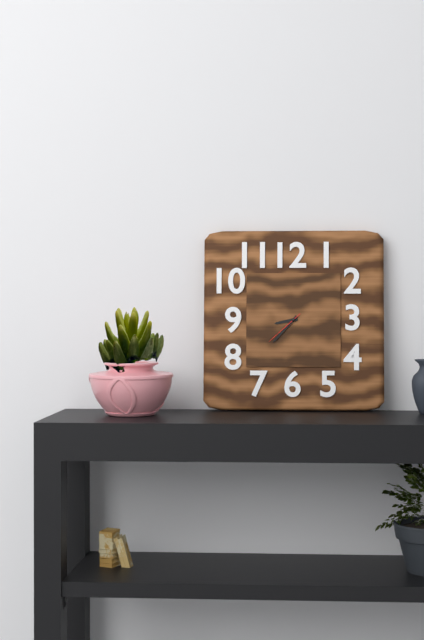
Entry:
h=8 m=37
